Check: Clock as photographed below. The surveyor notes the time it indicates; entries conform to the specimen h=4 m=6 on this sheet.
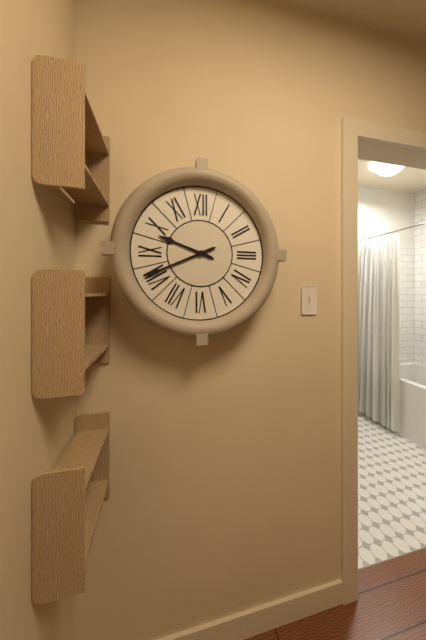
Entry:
h=9 m=41
